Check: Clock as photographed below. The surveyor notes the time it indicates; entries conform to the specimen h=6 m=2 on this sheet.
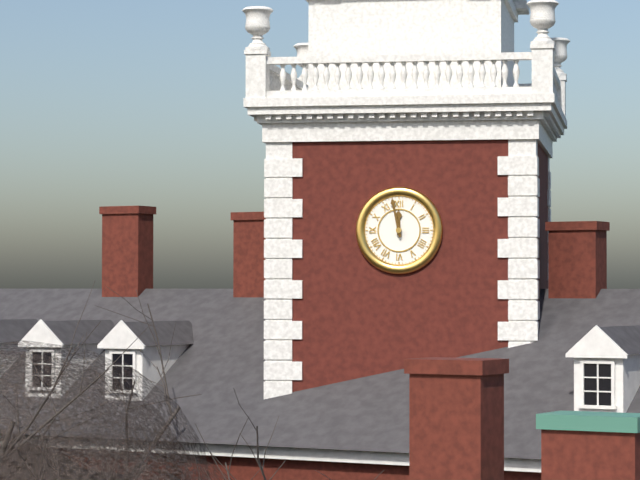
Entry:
h=11 m=58
